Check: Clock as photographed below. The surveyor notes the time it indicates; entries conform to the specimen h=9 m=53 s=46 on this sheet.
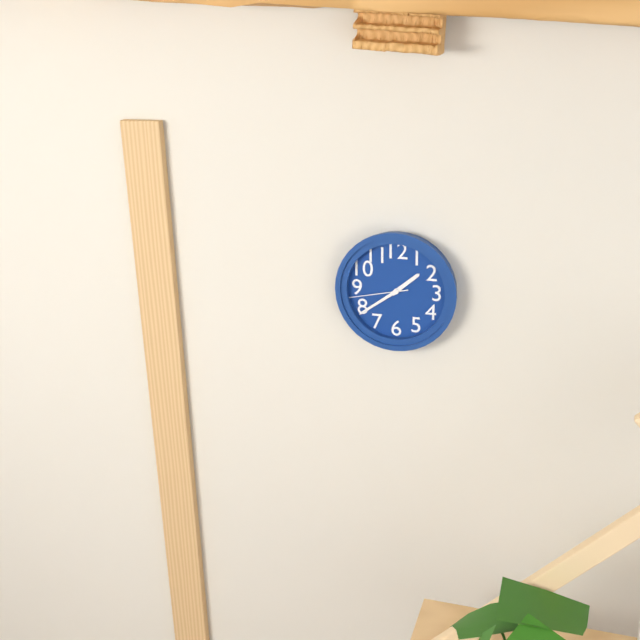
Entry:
h=1 m=39 s=43
